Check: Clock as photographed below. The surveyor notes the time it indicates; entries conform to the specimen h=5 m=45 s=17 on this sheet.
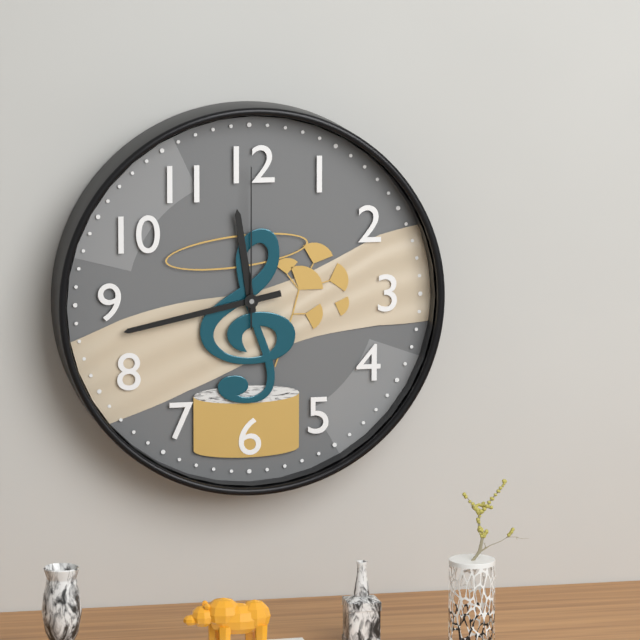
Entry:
h=11 m=43 s=0
